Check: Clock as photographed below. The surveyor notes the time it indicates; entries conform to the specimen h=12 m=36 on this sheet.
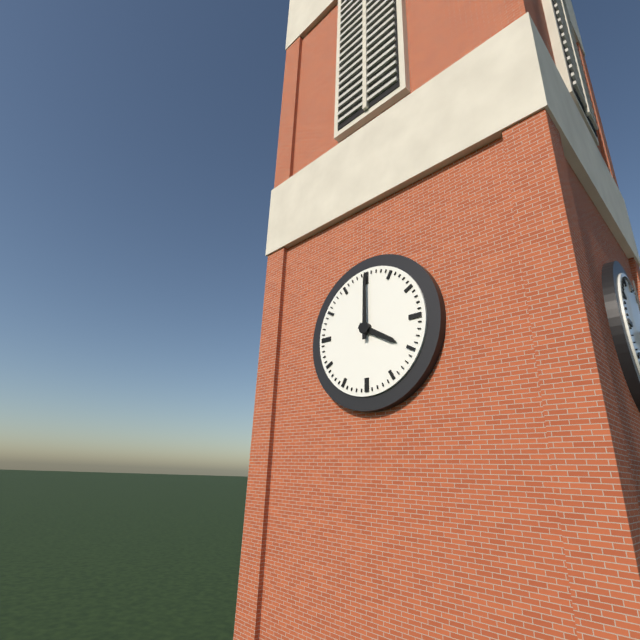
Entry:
h=4 m=0
